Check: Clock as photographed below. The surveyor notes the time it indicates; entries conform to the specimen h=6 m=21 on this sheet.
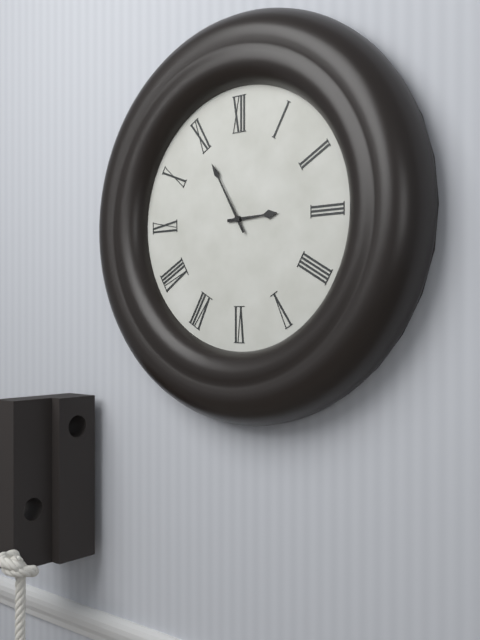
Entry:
h=2 m=55
